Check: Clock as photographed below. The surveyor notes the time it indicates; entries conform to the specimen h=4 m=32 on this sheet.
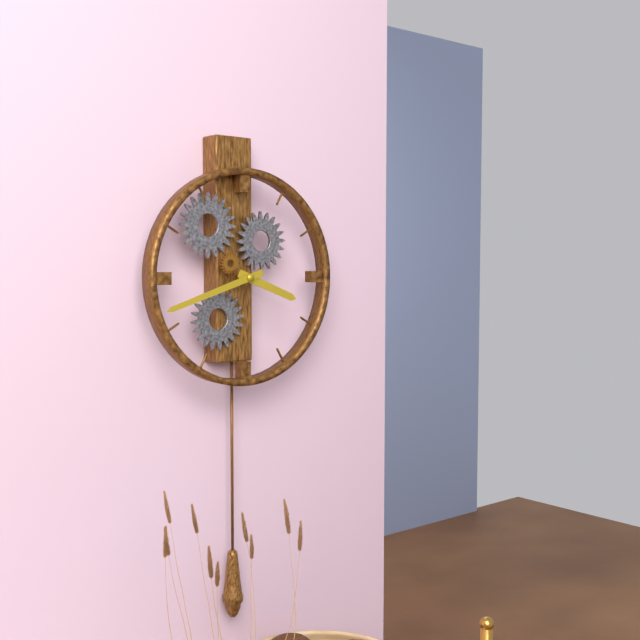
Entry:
h=3 m=42
